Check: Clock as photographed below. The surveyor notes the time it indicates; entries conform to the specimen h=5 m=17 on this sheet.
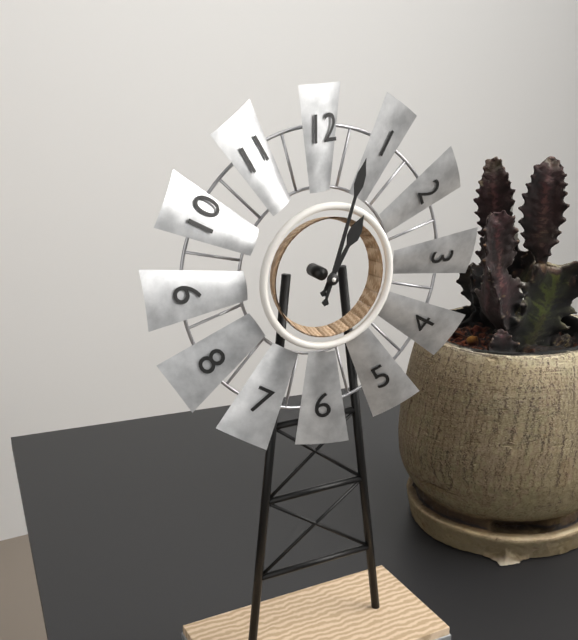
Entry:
h=1 m=3
